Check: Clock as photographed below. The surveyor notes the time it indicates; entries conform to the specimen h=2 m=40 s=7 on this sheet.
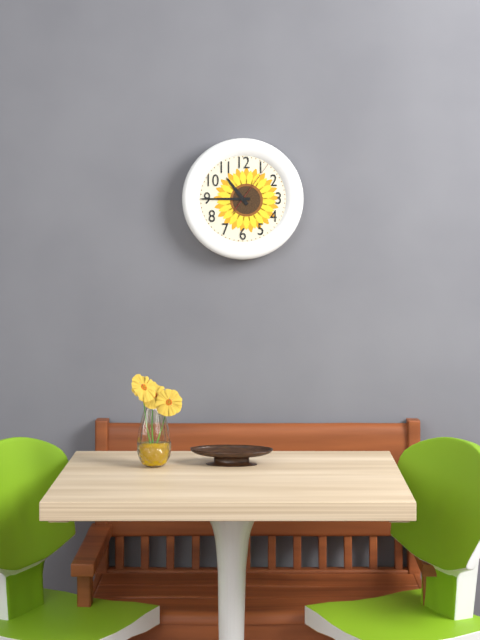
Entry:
h=10 m=45 s=6
